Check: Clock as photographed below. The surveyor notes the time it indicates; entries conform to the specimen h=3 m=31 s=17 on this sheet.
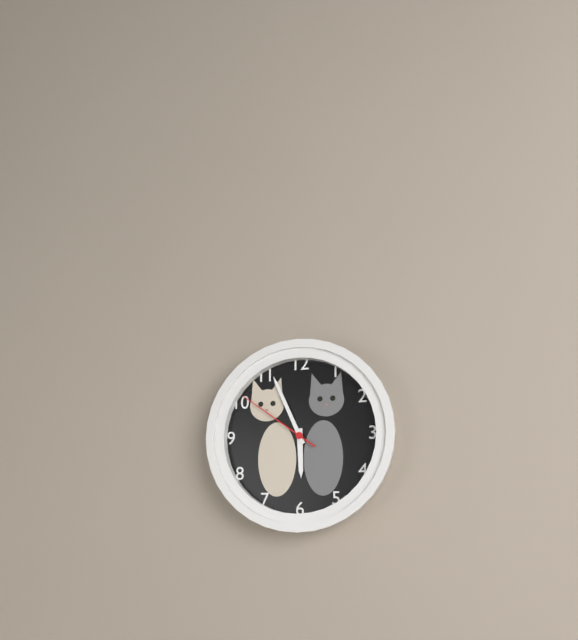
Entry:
h=5 m=56 s=51
